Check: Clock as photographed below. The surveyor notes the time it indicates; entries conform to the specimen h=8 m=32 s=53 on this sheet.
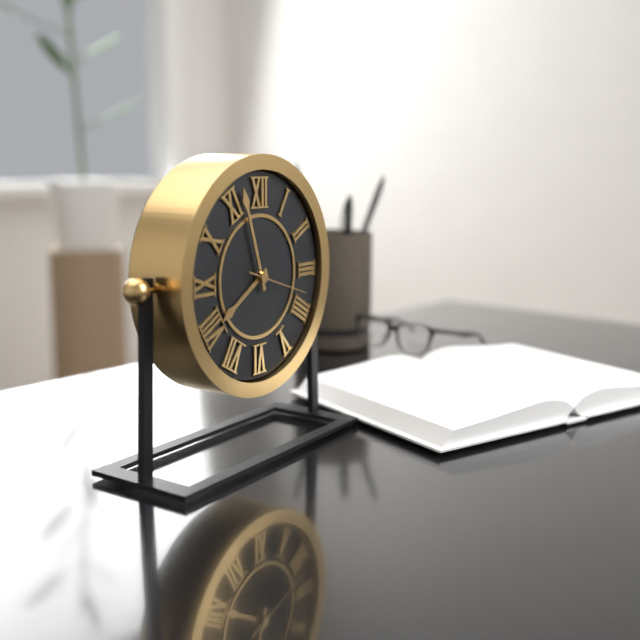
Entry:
h=7 m=57 s=18
